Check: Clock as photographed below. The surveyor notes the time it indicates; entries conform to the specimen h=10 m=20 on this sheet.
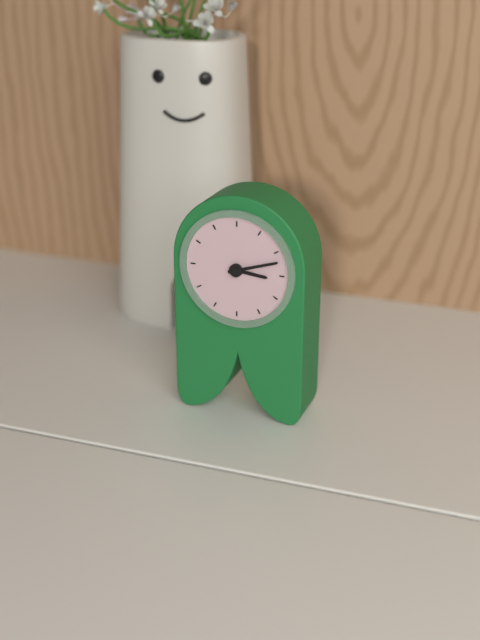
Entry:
h=3 m=12
